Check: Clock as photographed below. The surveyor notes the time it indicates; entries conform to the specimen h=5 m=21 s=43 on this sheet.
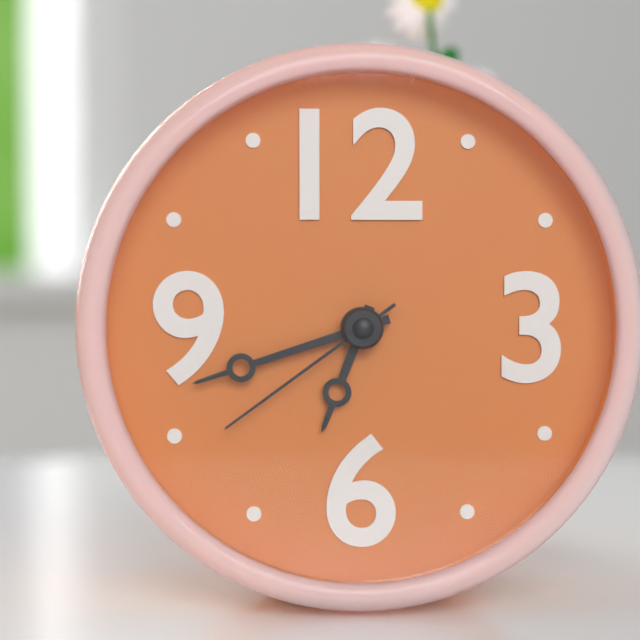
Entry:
h=6 m=42 s=39
